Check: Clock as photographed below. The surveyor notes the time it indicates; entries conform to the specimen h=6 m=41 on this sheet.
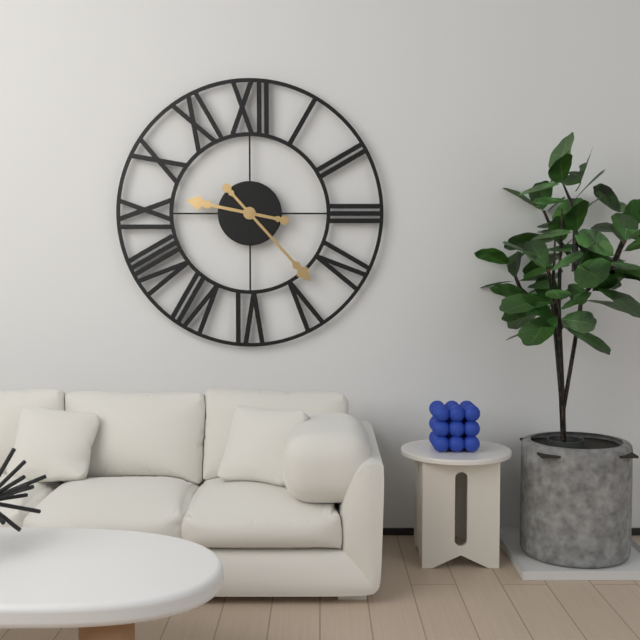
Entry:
h=9 m=23
